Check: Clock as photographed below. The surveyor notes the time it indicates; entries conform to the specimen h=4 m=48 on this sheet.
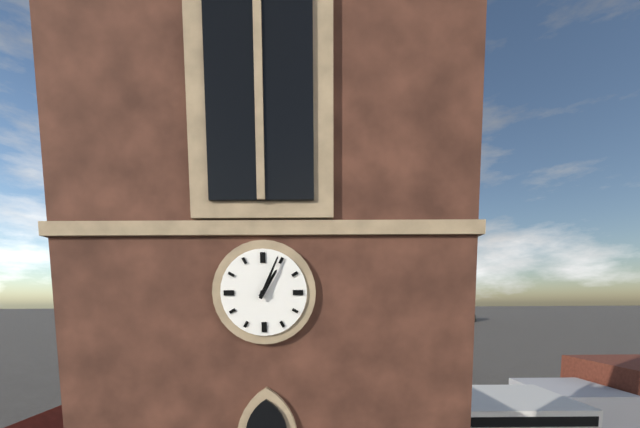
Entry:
h=1 m=4
